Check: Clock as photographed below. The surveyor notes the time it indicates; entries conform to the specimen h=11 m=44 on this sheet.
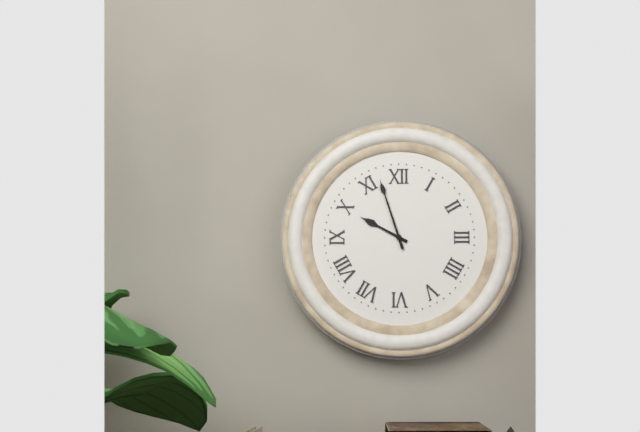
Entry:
h=9 m=57
